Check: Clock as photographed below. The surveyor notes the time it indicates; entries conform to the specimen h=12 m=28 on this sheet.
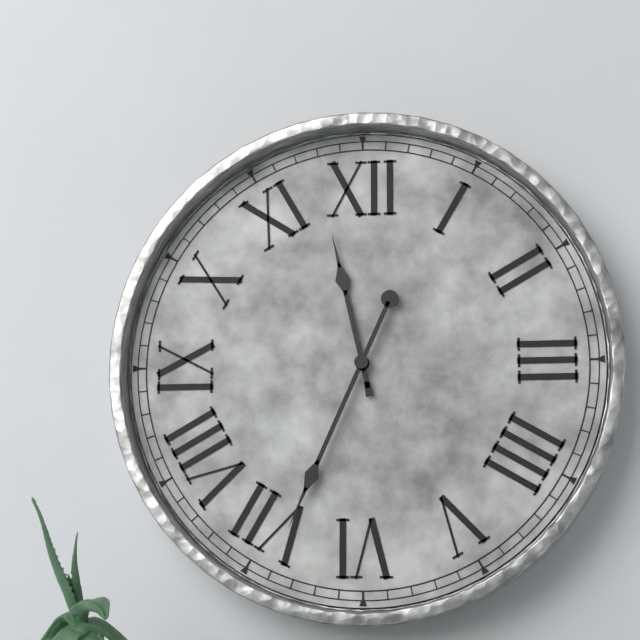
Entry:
h=11 m=34
